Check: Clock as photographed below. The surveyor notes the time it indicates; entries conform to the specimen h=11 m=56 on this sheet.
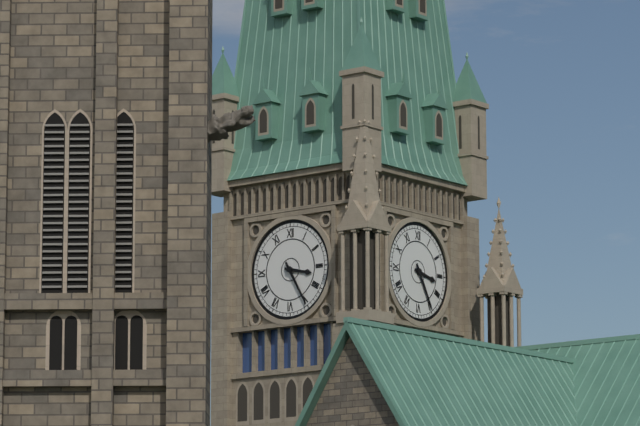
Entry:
h=3 m=25
